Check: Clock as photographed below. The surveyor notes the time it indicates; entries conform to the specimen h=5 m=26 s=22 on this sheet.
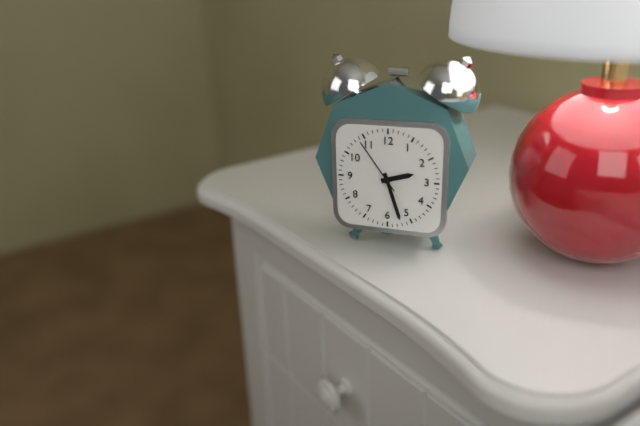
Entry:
h=2 m=27 s=54
